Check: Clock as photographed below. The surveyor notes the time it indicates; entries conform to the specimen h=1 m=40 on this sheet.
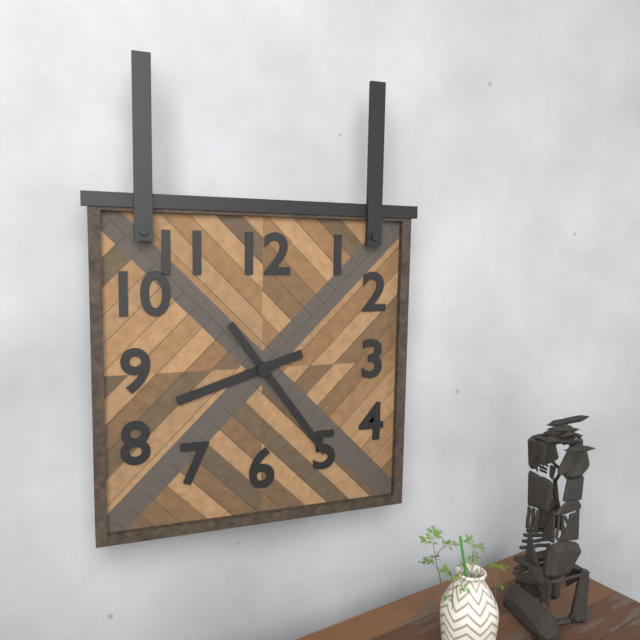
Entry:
h=8 m=24
